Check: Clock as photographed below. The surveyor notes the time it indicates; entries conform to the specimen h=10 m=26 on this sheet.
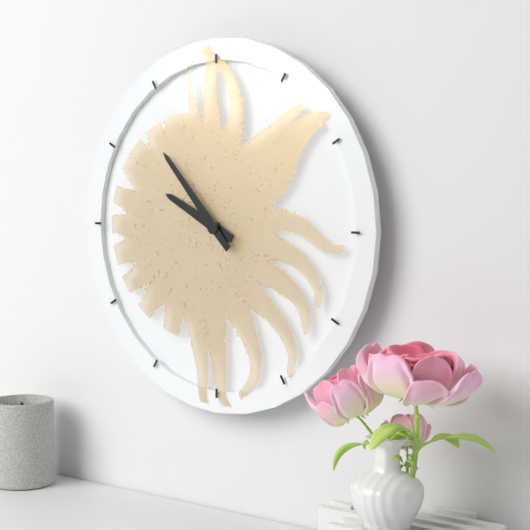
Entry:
h=9 m=53
